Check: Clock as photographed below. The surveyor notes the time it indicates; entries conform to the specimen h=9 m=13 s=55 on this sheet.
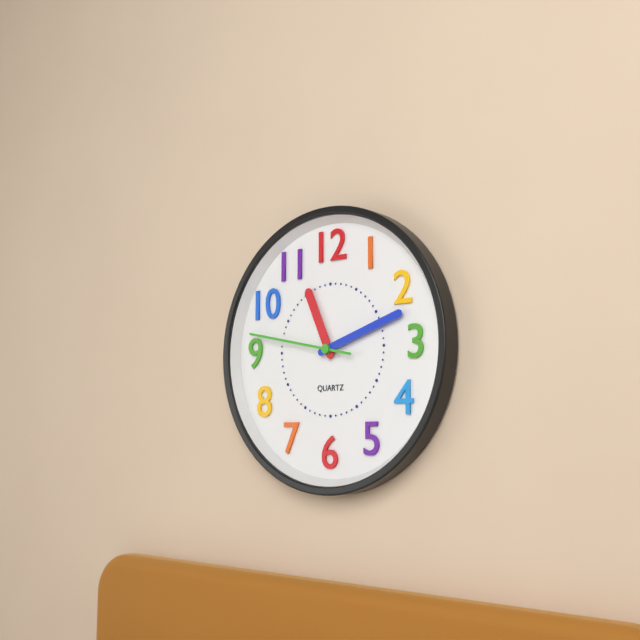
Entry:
h=11 m=12 s=47
